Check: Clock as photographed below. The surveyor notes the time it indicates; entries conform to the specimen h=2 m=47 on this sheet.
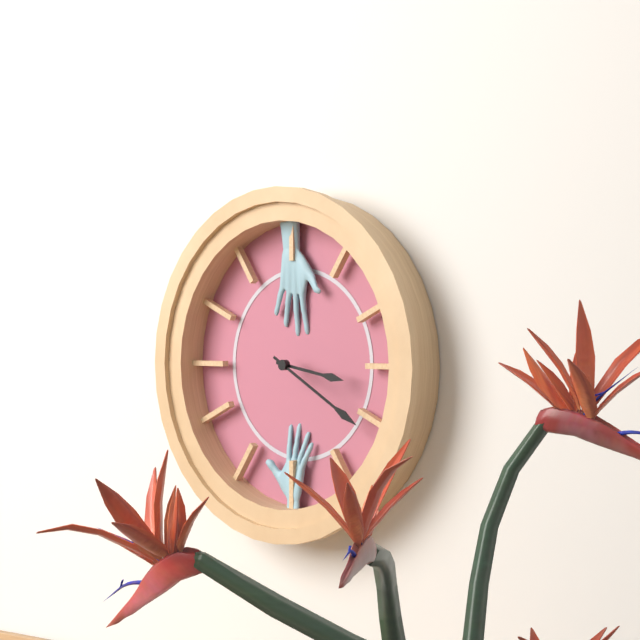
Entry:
h=3 m=20
